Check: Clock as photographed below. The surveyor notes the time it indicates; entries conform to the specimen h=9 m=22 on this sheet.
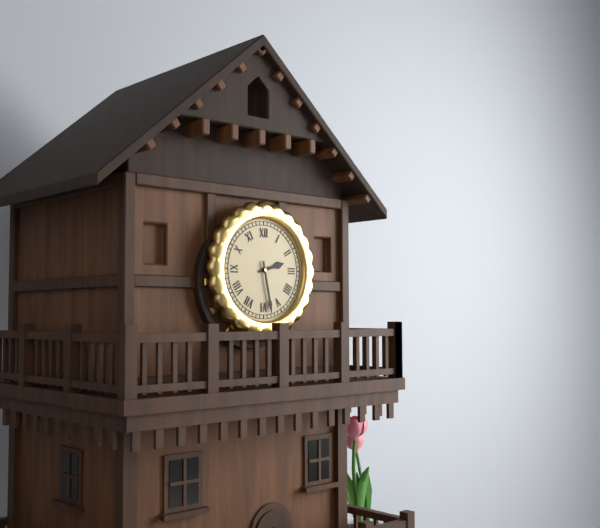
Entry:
h=2 m=28
